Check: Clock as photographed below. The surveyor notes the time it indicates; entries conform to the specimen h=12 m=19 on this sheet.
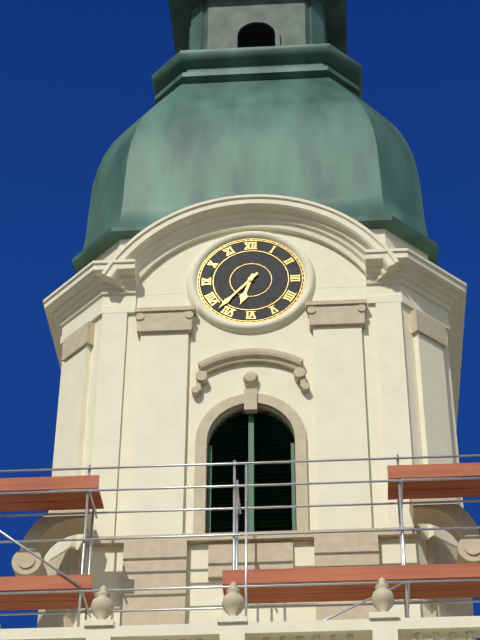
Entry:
h=6 m=37
